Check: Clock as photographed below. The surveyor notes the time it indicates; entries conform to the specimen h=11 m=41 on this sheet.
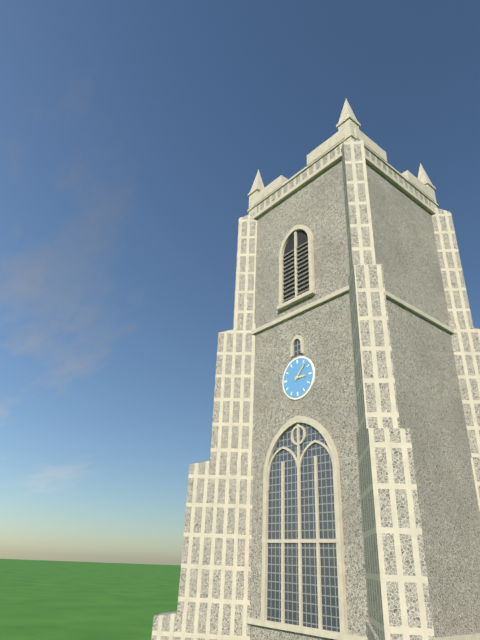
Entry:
h=3 m=7
